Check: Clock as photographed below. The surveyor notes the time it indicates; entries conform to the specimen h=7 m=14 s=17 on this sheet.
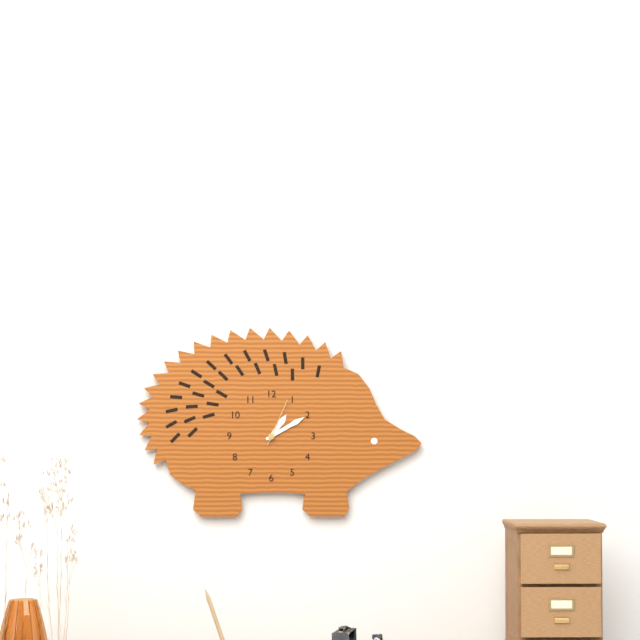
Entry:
h=1 m=10 s=4
